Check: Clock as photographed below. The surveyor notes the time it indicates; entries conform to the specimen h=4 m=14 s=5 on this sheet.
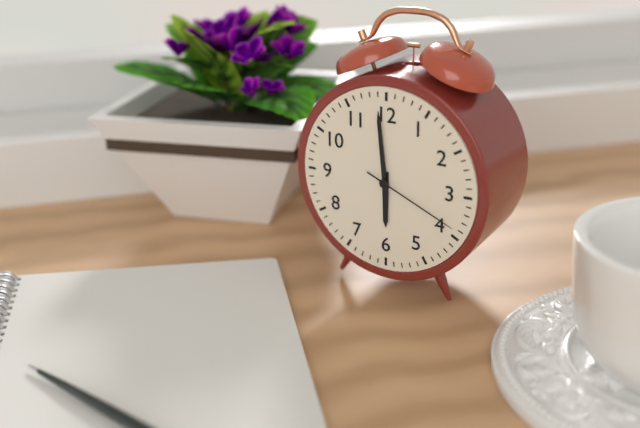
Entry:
h=5 m=59 s=19
